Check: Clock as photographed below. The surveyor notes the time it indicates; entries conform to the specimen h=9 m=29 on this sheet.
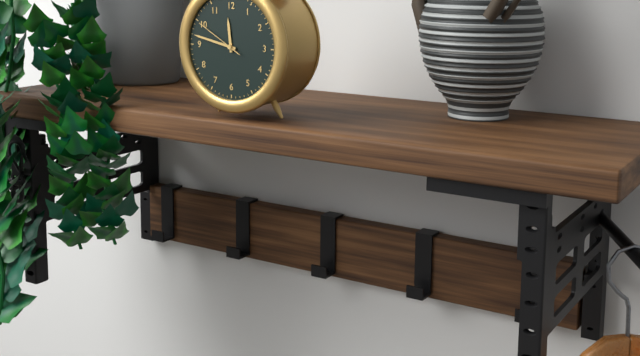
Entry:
h=11 m=47
